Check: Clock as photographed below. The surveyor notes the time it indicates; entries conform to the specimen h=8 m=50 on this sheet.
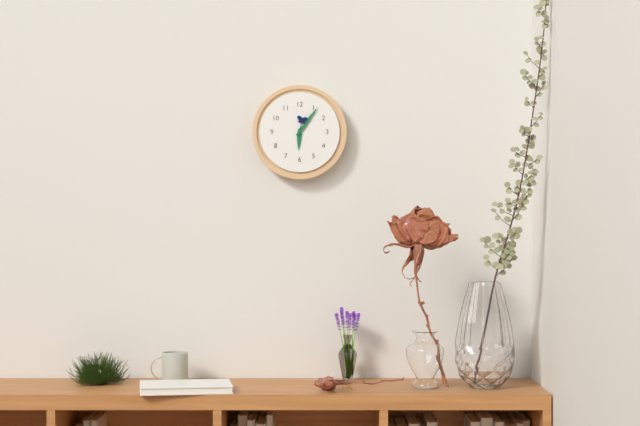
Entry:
h=6 m=6
